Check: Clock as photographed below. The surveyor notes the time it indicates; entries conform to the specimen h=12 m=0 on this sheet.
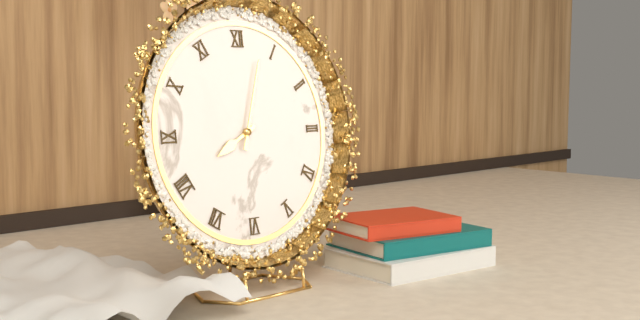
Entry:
h=8 m=3
